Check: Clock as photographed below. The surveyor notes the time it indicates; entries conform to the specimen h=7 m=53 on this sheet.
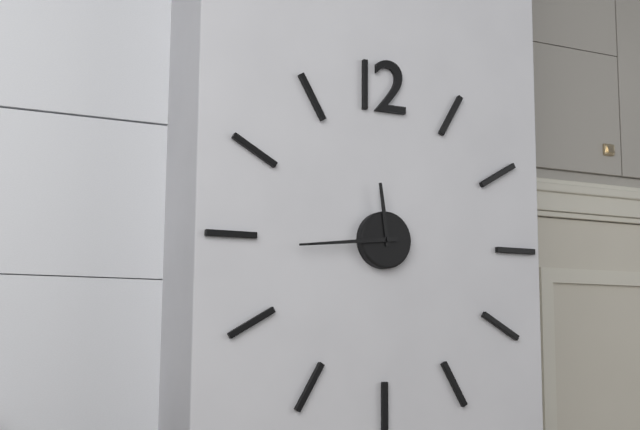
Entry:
h=11 m=44
